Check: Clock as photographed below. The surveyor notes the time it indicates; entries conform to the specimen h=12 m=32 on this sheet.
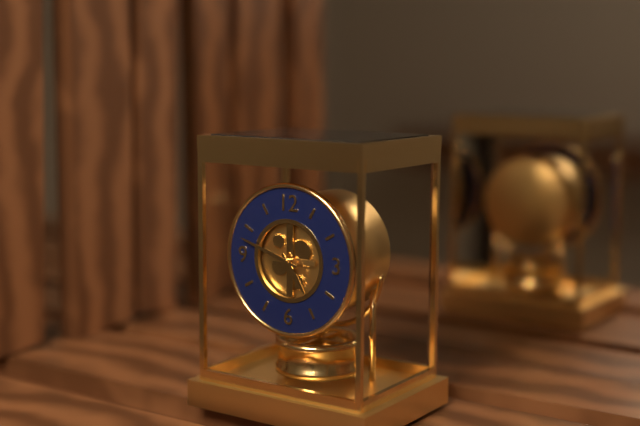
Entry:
h=4 m=48
